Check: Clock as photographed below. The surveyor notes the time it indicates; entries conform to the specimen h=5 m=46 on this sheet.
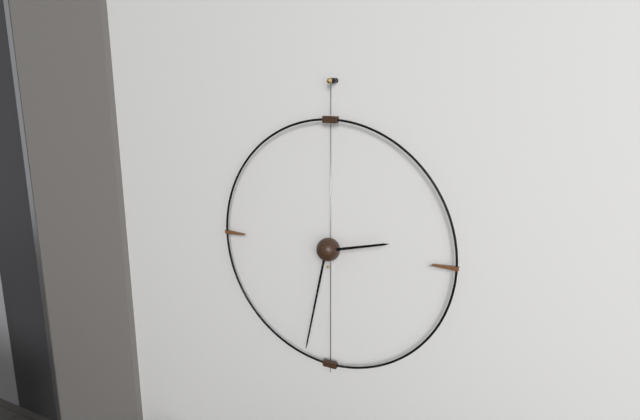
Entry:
h=2 m=32
